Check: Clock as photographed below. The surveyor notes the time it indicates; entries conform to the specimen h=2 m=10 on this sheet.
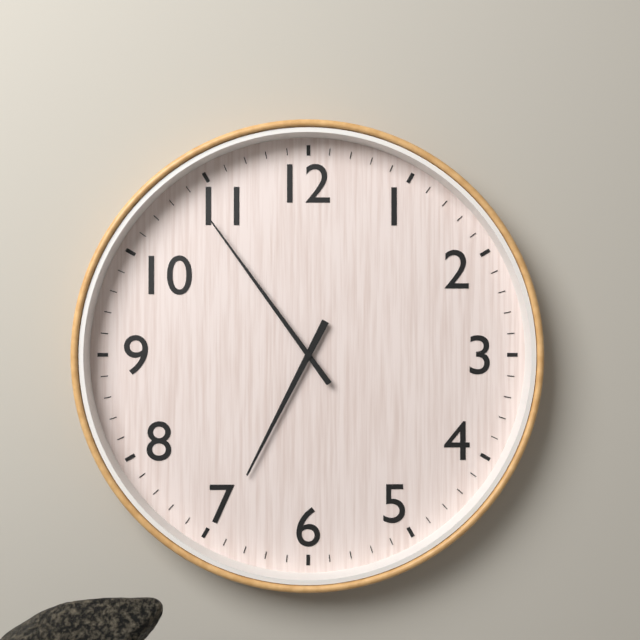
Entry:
h=6 m=54
